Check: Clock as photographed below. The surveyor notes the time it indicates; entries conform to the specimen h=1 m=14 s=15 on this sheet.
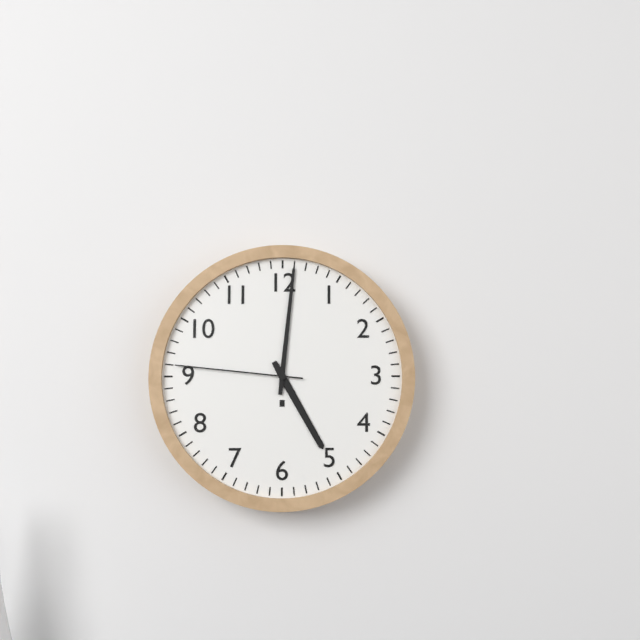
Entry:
h=5 m=1 s=46
